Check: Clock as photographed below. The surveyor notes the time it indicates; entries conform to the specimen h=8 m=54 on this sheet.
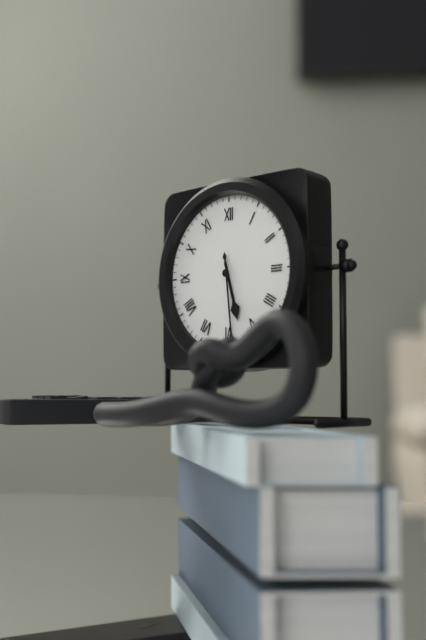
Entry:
h=5 m=29
